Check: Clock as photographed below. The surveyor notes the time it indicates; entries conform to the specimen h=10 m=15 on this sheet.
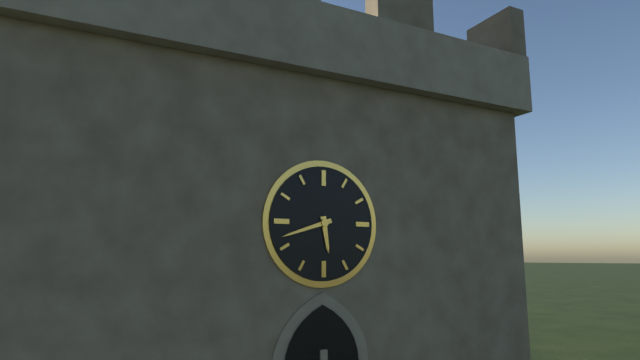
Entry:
h=5 m=42
